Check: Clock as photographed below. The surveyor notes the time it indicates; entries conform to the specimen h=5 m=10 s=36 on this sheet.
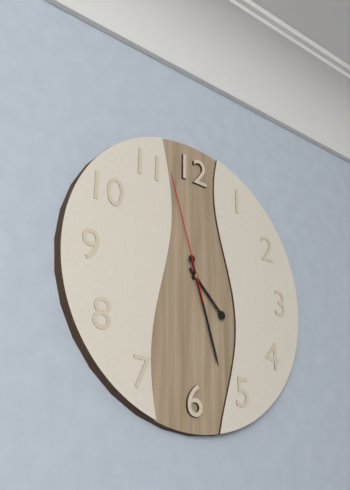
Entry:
h=4 m=27 s=57
